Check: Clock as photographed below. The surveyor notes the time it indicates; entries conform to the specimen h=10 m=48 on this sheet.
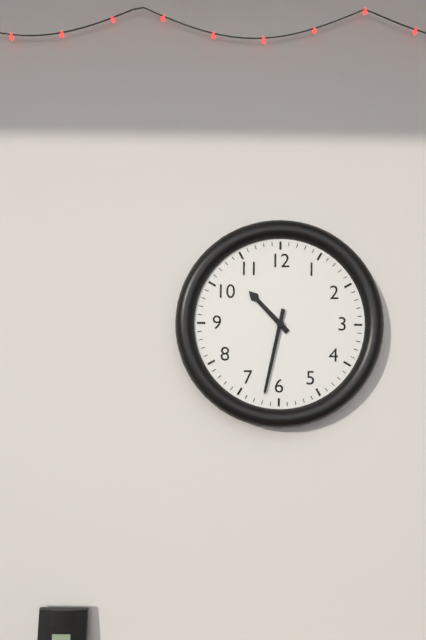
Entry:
h=10 m=32
